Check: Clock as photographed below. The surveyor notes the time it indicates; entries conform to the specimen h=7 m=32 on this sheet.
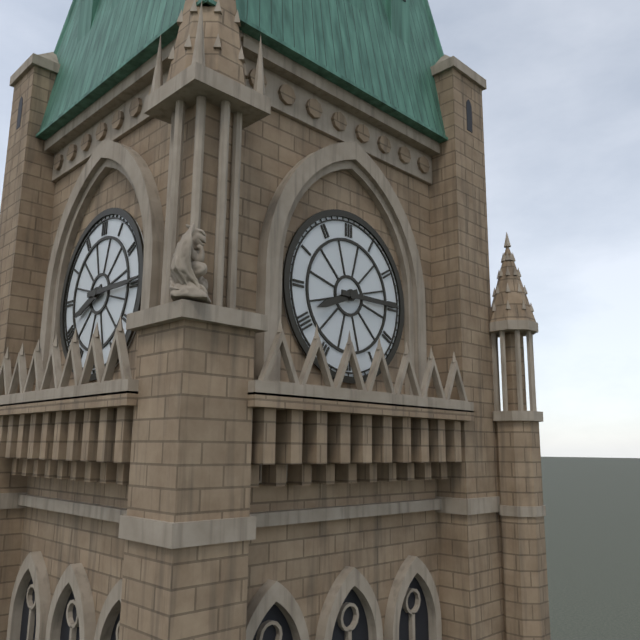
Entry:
h=8 m=15
